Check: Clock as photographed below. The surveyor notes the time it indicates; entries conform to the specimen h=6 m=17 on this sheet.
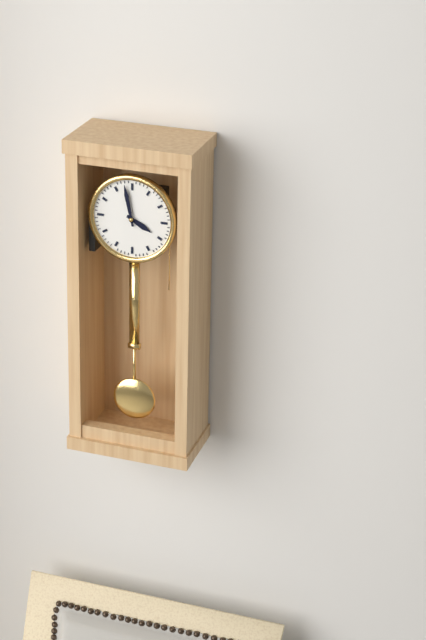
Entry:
h=3 m=58
